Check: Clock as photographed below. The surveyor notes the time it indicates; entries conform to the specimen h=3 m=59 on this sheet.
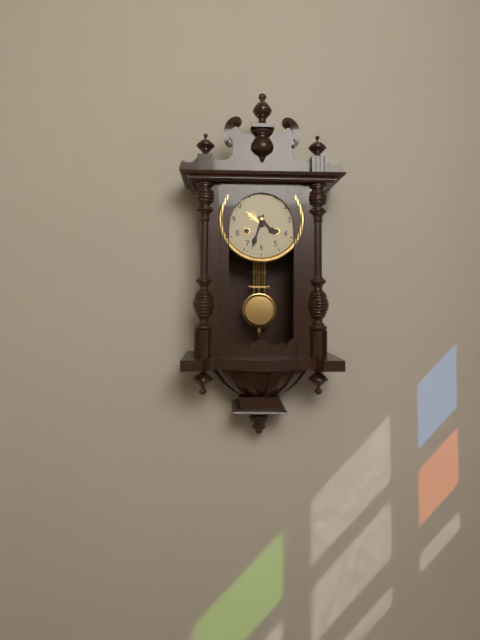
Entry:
h=4 m=33
